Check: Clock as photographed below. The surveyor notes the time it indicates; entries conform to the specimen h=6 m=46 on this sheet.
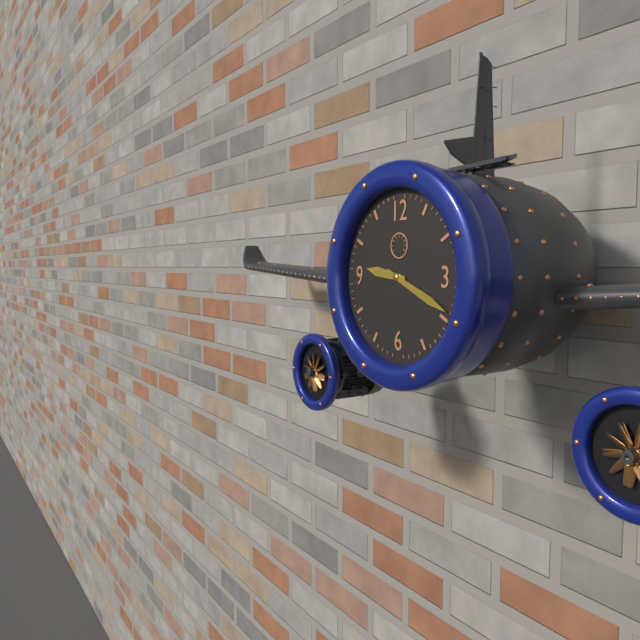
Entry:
h=9 m=19
